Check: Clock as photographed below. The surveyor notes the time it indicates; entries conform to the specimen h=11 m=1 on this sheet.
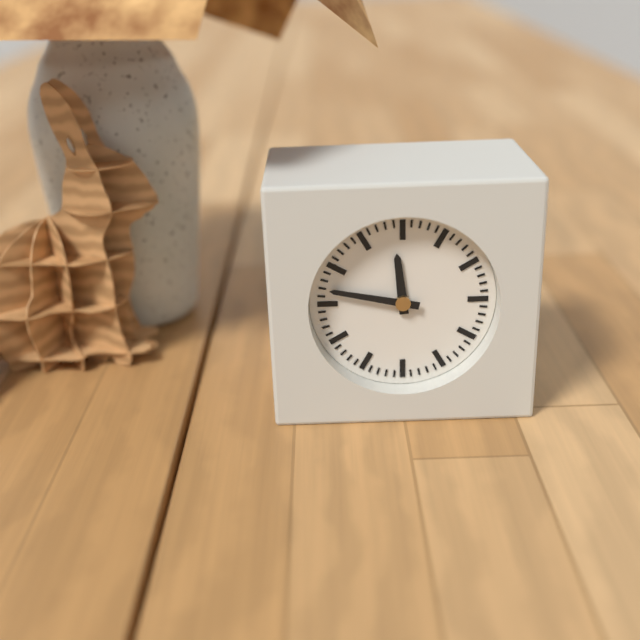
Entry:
h=11 m=47
